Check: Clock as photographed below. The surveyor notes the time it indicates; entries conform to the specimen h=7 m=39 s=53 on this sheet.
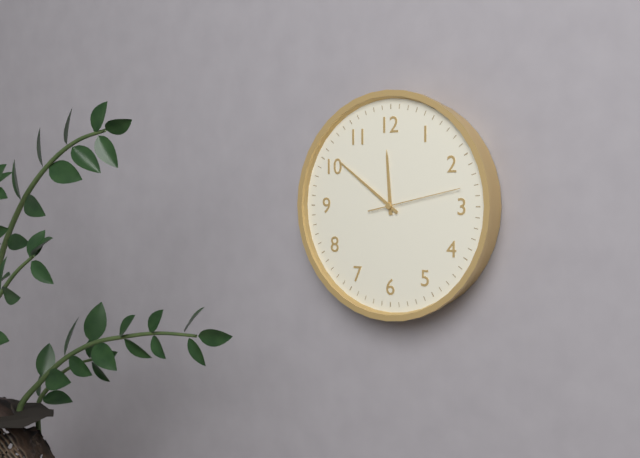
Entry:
h=11 m=51 s=13
